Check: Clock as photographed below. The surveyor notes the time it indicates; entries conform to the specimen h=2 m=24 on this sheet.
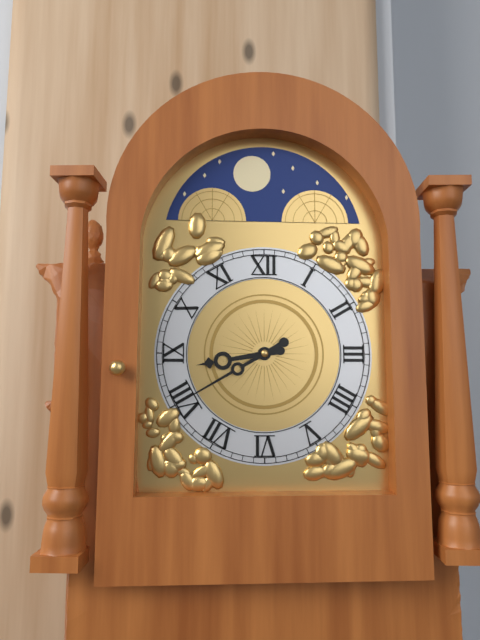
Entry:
h=8 m=40
